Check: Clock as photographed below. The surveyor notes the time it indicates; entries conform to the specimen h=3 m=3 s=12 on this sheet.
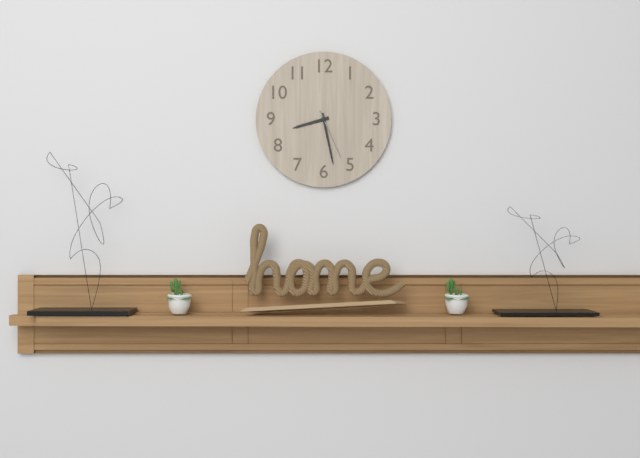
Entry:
h=8 m=28 s=26
